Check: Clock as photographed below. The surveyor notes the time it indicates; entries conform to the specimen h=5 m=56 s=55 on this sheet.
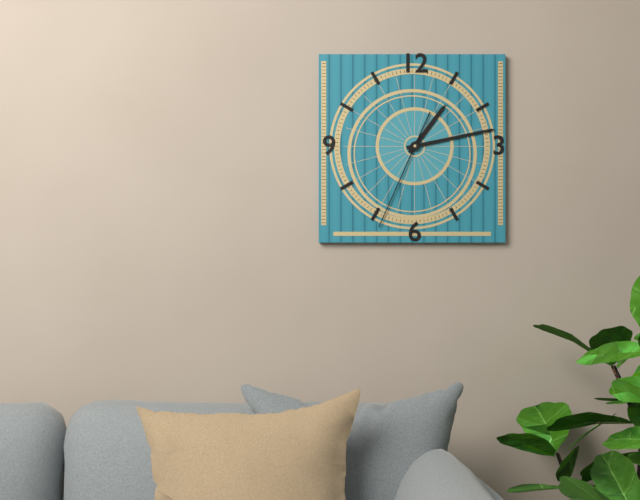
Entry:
h=1 m=13 s=34
